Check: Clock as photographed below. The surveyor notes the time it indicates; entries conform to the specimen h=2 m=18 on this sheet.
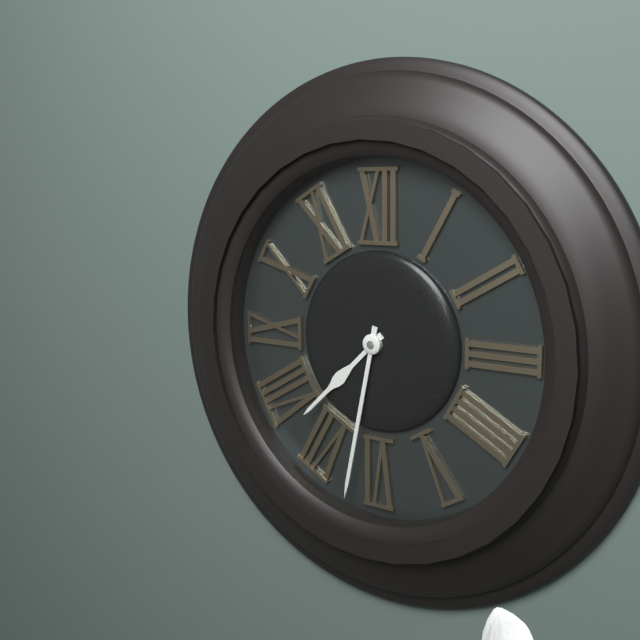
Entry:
h=7 m=32
